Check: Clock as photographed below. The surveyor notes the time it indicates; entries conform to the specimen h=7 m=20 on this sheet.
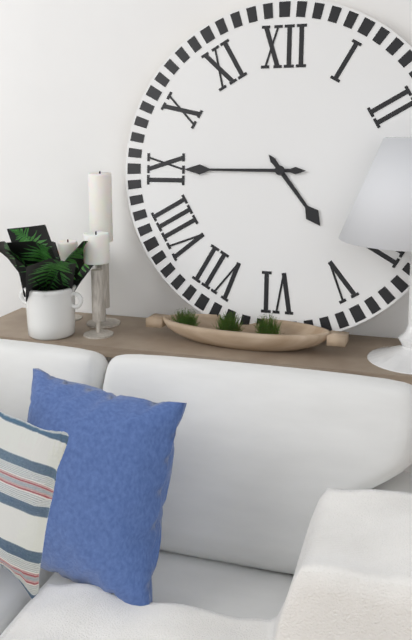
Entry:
h=4 m=45
